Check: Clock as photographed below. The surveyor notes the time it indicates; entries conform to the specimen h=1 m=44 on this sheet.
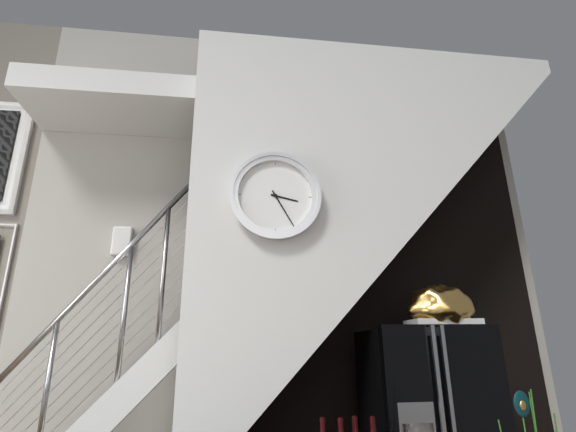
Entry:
h=3 m=25
